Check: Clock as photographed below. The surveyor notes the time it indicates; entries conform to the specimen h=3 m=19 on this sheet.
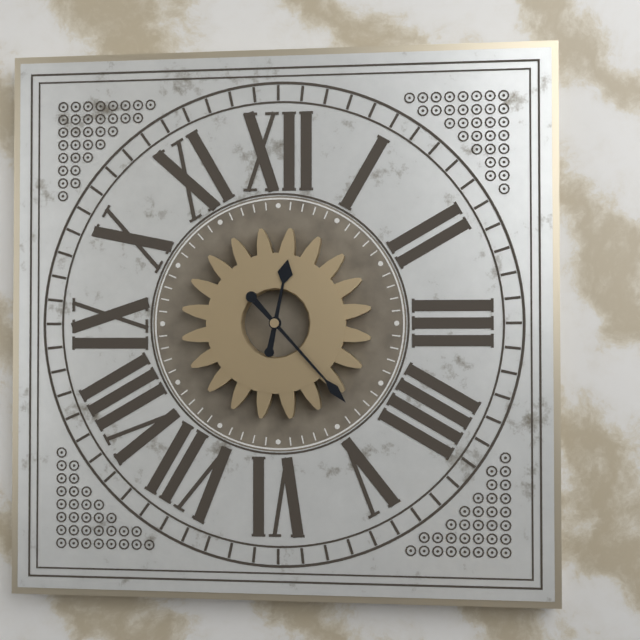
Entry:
h=12 m=23
